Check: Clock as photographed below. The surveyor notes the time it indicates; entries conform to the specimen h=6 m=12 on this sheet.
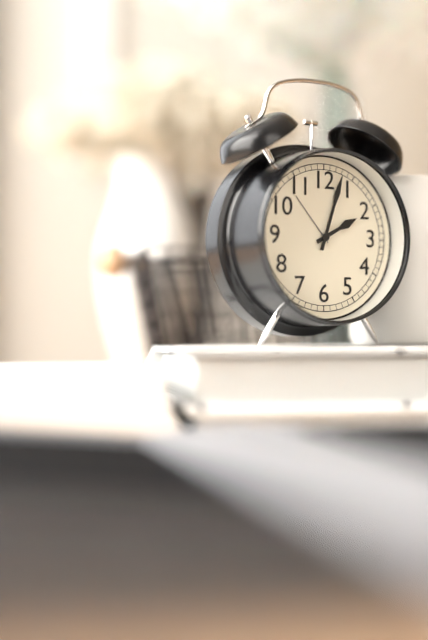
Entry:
h=2 m=3
